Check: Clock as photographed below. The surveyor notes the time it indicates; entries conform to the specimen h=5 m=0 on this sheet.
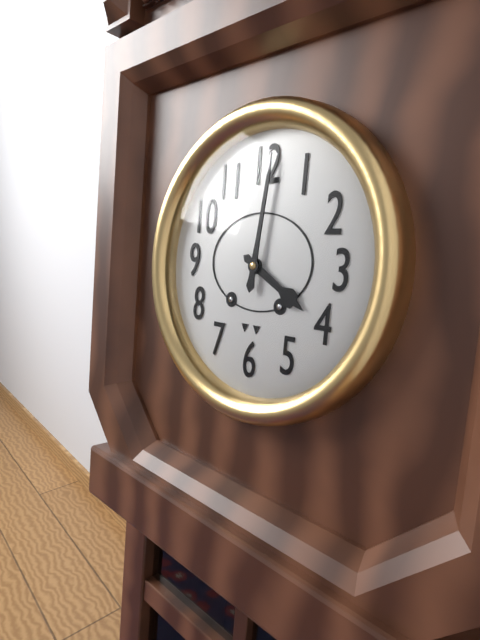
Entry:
h=4 m=1
